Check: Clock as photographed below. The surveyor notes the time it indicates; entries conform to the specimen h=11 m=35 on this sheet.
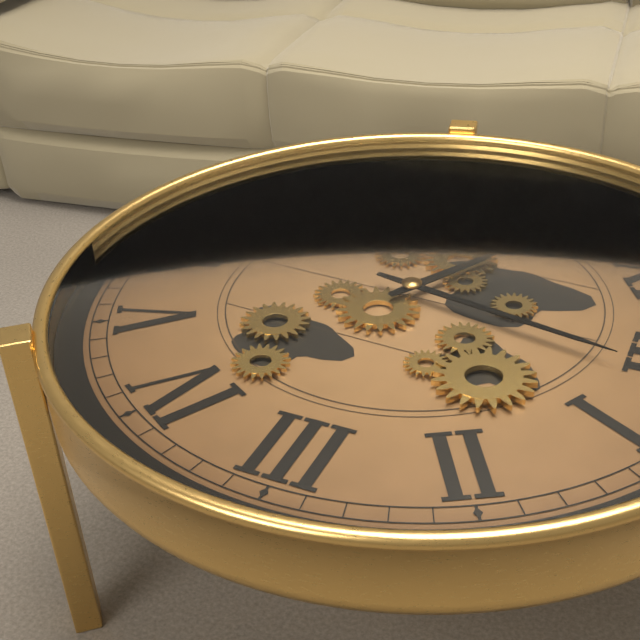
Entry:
h=10 m=2
